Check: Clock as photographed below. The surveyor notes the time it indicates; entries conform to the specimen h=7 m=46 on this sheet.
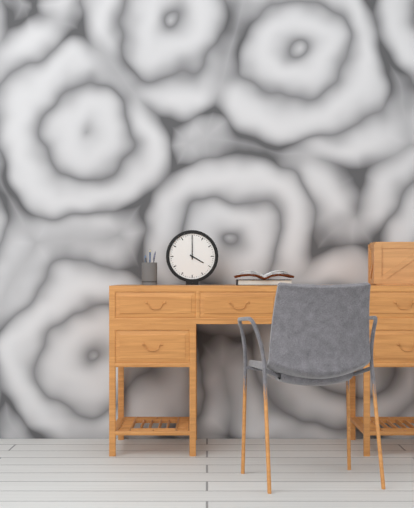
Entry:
h=4 m=0
